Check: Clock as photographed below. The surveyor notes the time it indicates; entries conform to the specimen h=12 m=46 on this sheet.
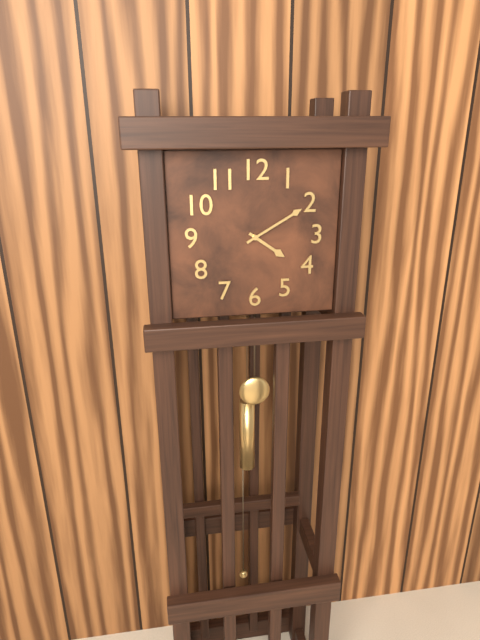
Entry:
h=4 m=10
